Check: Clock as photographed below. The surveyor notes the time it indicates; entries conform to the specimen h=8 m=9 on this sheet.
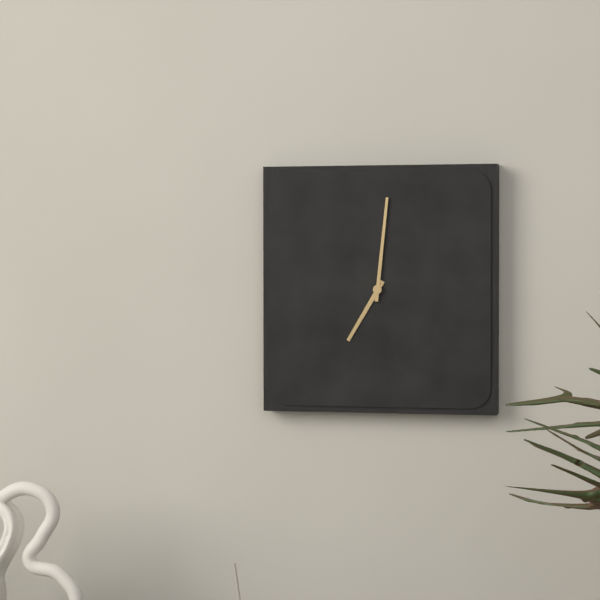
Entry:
h=7 m=1
